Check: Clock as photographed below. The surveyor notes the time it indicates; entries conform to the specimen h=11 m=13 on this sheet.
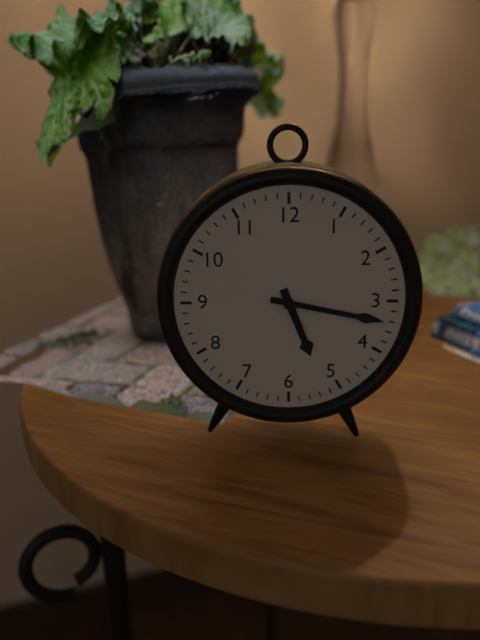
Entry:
h=5 m=17
